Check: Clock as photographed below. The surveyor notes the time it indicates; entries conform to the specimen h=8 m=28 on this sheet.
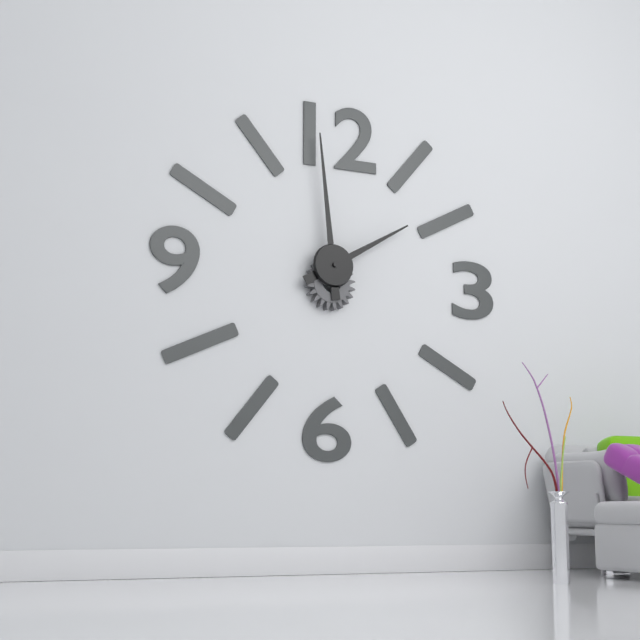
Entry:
h=1 m=59
